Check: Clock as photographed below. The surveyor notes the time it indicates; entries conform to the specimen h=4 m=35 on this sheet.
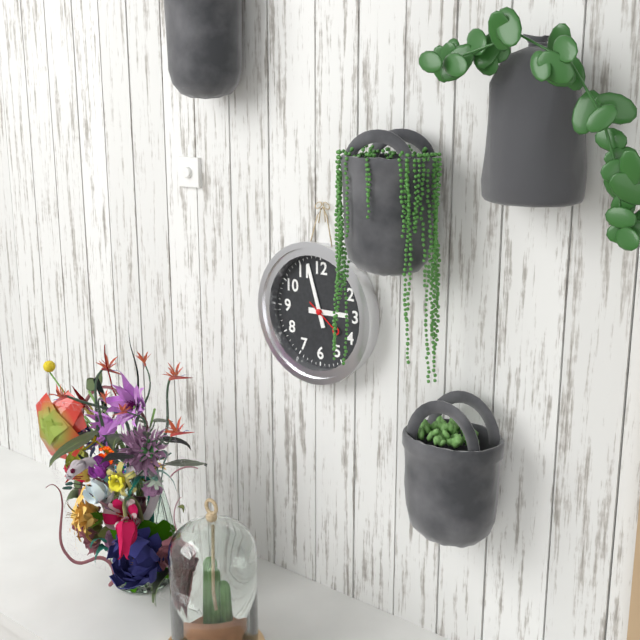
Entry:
h=2 m=57
